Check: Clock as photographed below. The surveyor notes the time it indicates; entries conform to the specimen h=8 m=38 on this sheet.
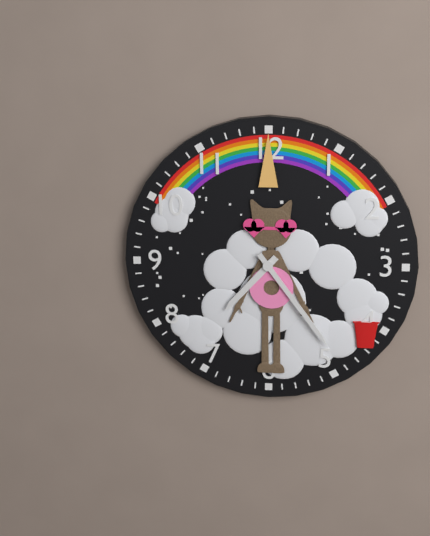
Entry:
h=7 m=24
